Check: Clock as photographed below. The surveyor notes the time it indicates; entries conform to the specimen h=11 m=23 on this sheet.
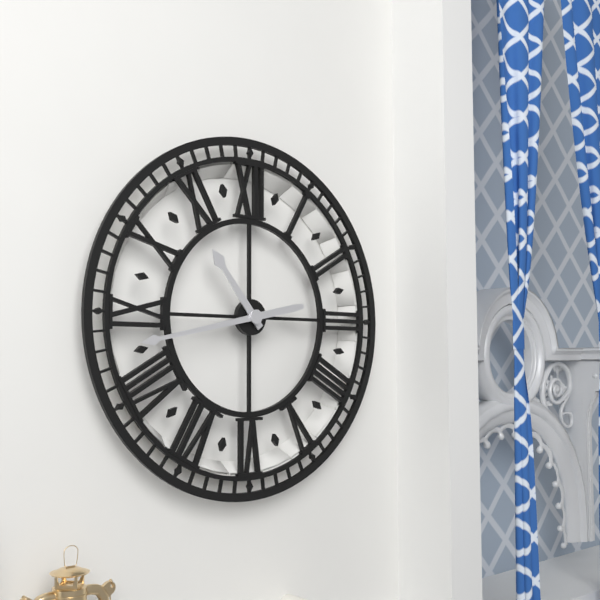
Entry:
h=10 m=43
